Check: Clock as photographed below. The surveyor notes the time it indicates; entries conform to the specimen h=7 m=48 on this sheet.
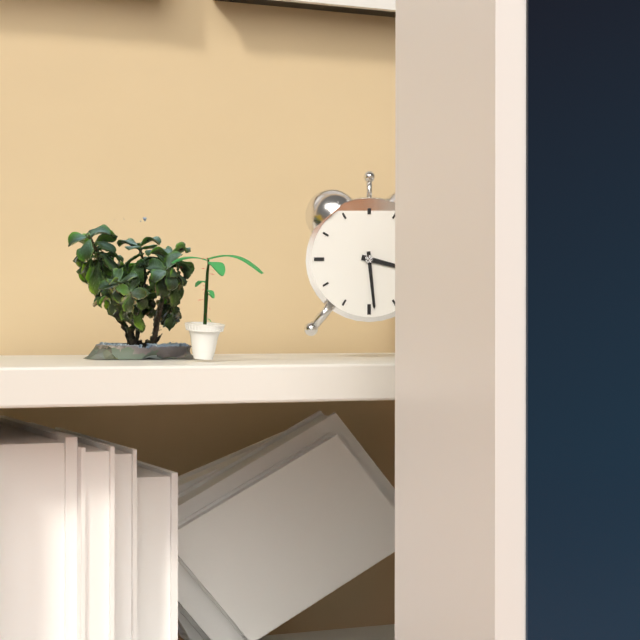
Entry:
h=3 m=29
